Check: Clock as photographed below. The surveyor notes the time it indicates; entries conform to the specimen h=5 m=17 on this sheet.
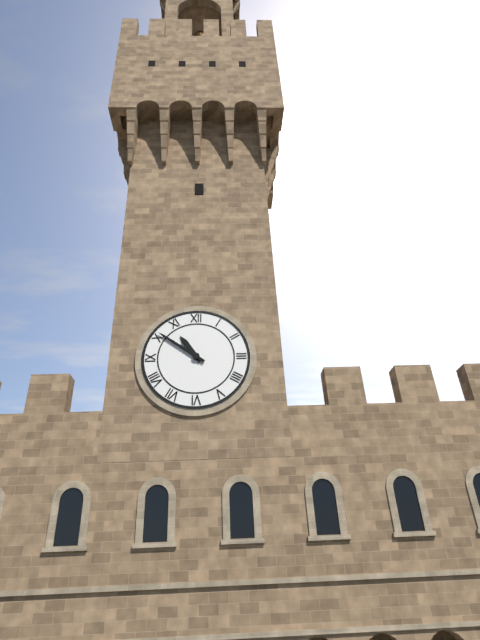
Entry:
h=10 m=51
